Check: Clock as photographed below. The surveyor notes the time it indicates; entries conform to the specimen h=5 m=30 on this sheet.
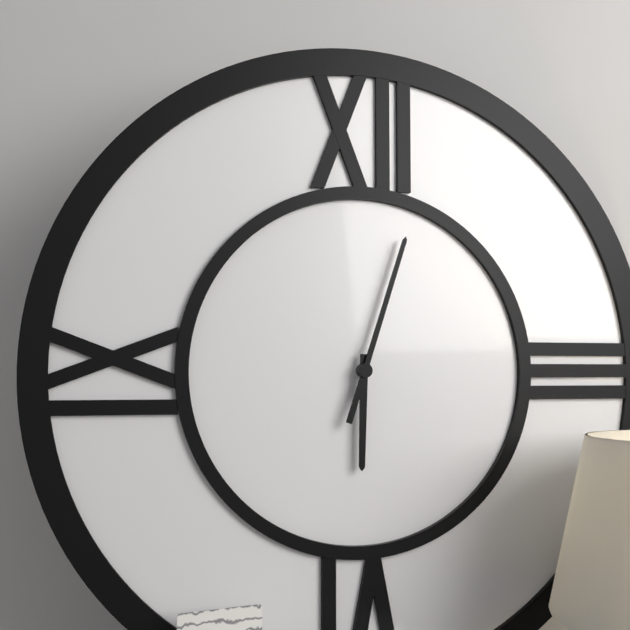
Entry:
h=6 m=3
